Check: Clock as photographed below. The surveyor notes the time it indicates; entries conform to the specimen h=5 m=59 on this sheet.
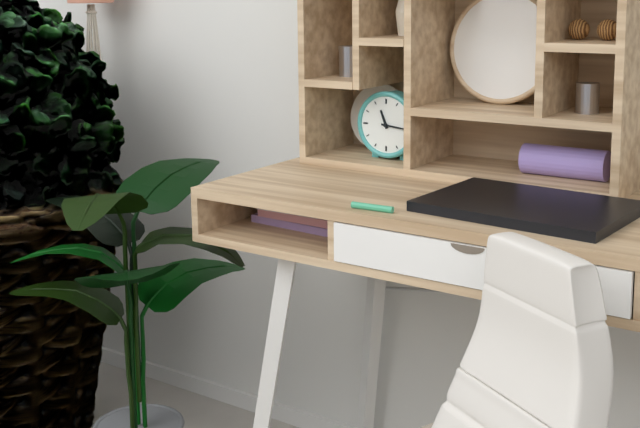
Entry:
h=11 m=16
